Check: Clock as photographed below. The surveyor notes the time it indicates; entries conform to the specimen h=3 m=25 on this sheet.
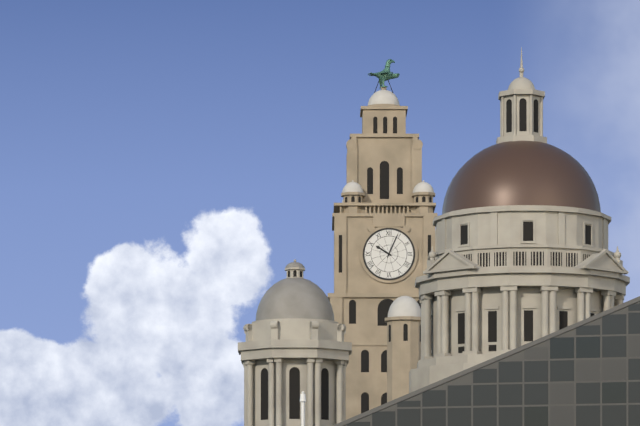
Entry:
h=10 m=4
